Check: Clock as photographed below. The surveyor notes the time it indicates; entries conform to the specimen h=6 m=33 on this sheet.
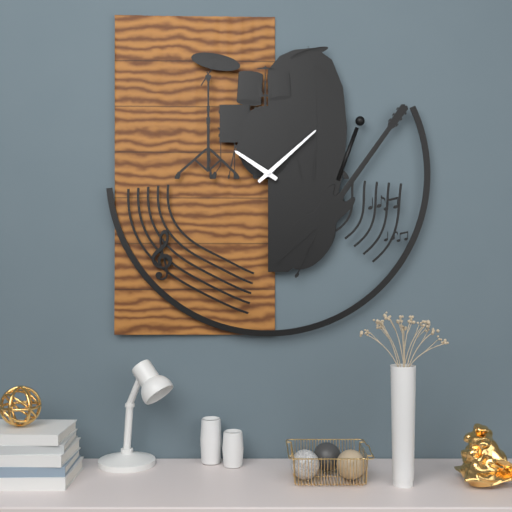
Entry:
h=10 m=8
